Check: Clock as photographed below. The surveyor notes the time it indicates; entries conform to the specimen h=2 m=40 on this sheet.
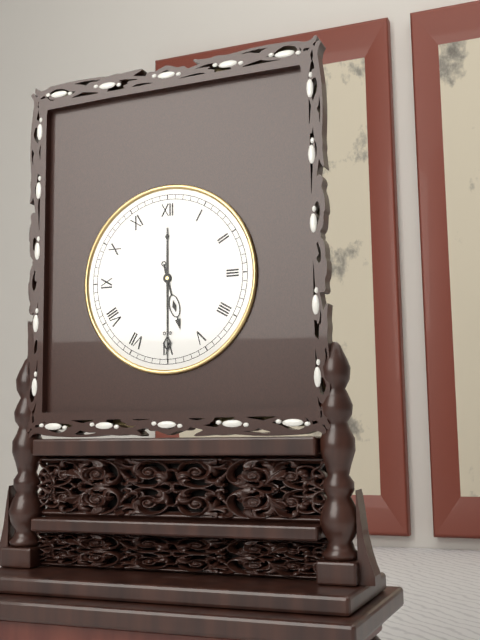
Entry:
h=5 m=30
